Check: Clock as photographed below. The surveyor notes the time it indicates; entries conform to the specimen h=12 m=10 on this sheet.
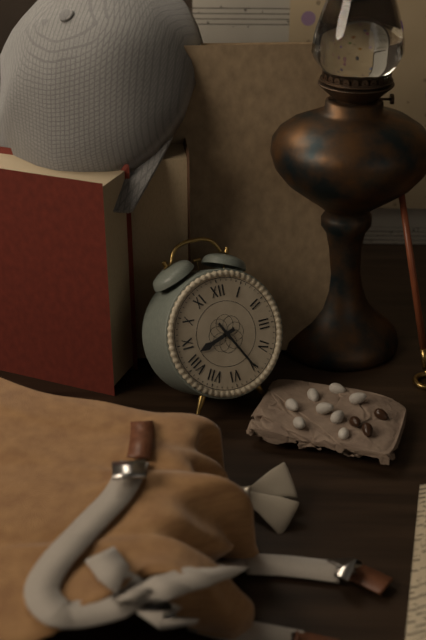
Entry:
h=8 m=25
